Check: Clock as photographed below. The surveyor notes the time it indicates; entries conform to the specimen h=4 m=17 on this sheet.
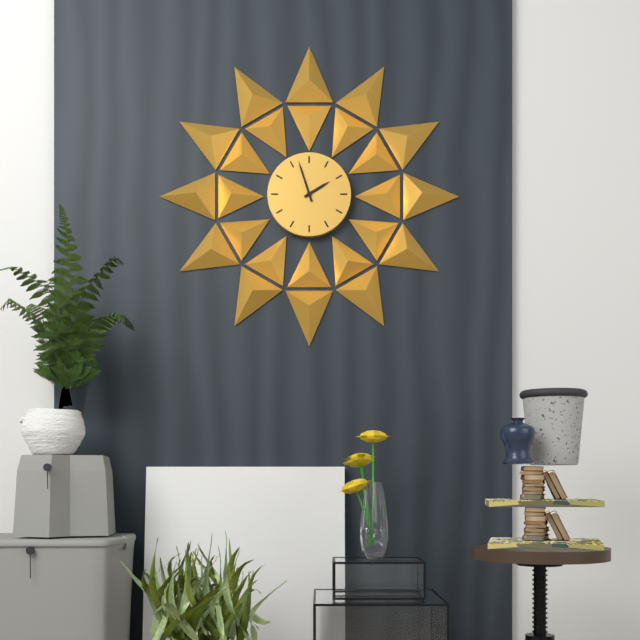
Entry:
h=1 m=57
